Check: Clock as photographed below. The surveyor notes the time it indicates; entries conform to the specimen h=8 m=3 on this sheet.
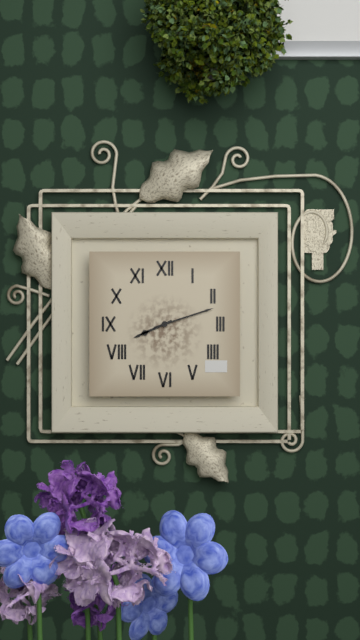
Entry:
h=8 m=12
